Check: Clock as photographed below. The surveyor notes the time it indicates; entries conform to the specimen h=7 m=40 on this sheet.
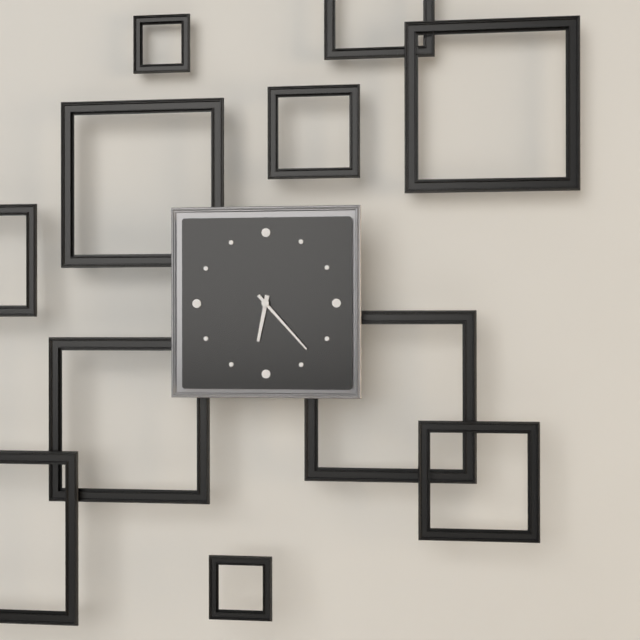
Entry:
h=6 m=23
